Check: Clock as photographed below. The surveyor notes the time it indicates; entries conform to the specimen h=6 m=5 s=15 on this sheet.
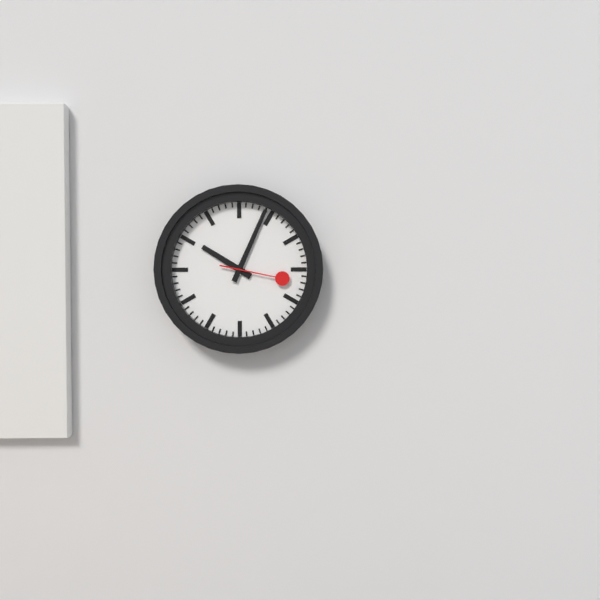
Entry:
h=10 m=4 s=17
